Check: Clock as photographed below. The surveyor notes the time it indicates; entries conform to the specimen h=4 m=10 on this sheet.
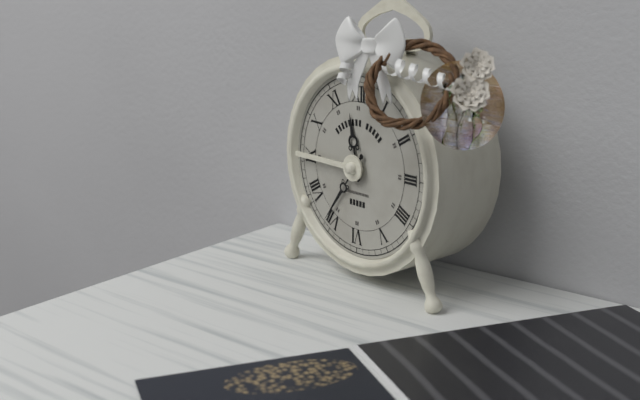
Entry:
h=11 m=36
